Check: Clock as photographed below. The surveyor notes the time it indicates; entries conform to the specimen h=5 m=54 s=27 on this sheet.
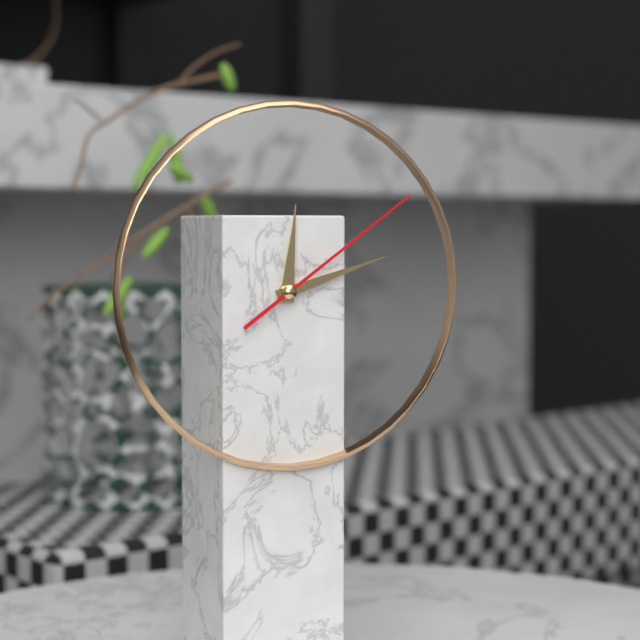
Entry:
h=12 m=12 s=9
